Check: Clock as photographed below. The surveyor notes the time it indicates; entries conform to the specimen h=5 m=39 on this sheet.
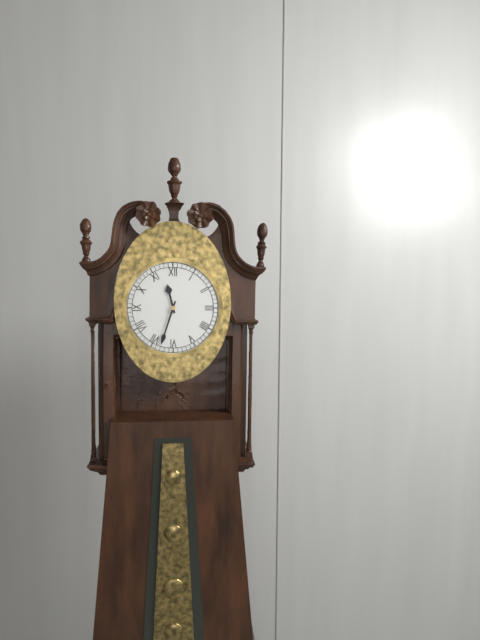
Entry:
h=11 m=33
